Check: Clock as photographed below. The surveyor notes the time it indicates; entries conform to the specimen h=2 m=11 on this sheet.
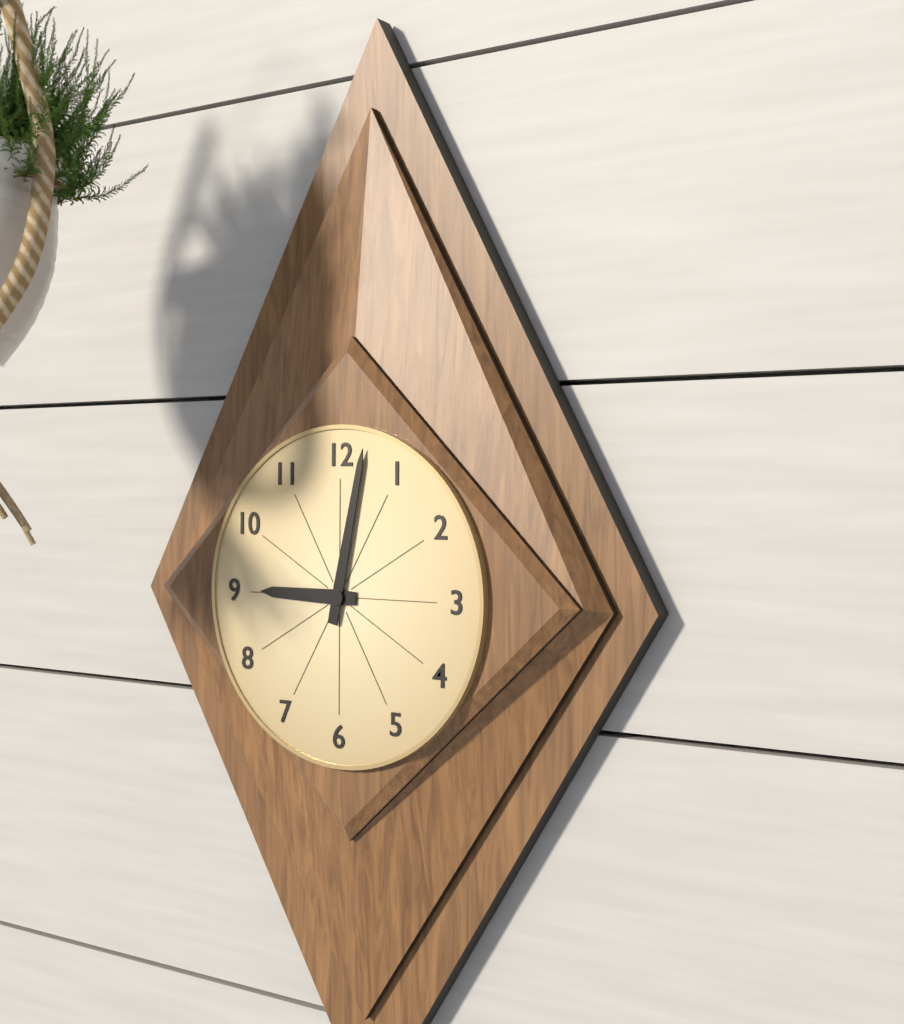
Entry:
h=9 m=2
